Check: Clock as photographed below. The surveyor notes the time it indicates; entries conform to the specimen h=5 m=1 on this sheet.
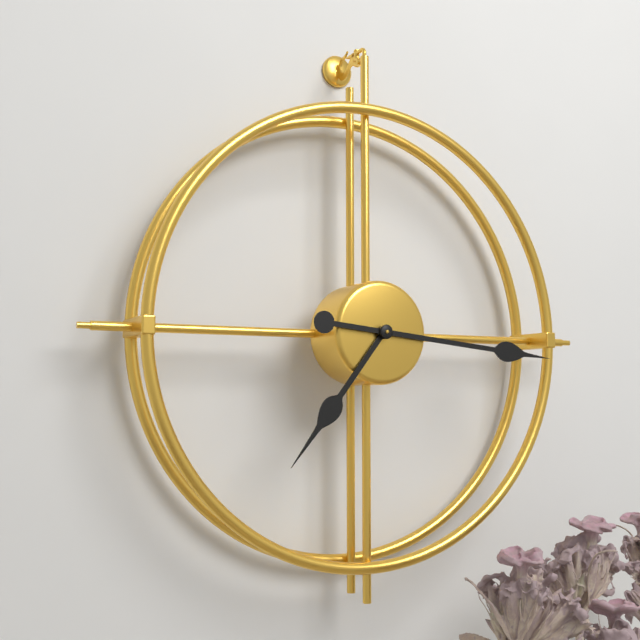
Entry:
h=7 m=16
